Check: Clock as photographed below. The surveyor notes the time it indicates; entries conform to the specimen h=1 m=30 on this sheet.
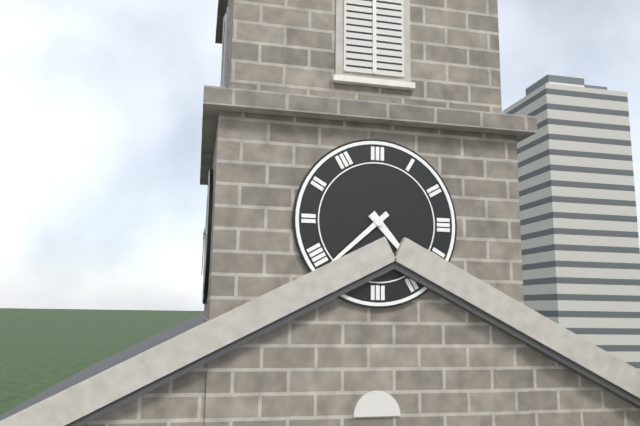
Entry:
h=4 m=38
